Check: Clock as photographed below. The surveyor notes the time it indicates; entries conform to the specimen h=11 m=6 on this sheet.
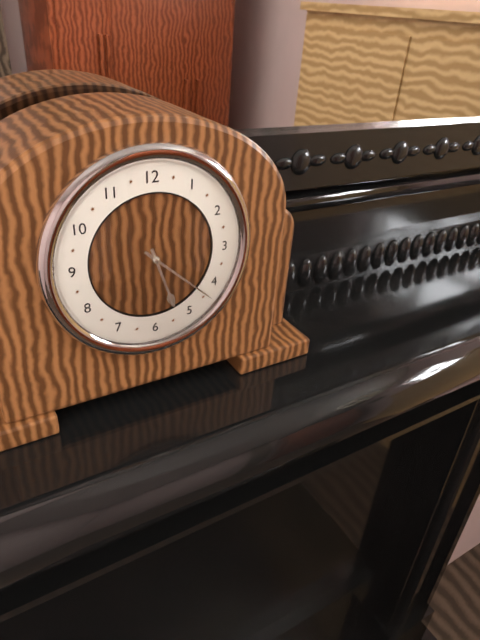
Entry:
h=5 m=22
